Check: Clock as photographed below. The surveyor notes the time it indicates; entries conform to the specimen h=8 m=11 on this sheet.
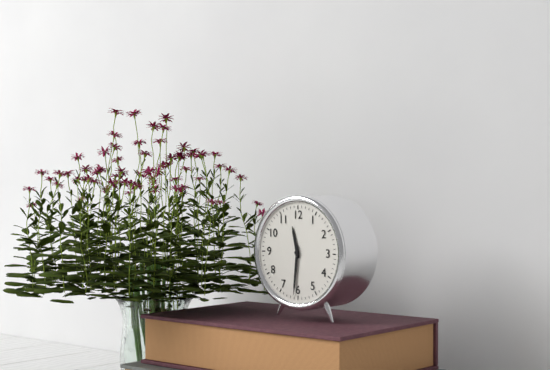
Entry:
h=11 m=31
